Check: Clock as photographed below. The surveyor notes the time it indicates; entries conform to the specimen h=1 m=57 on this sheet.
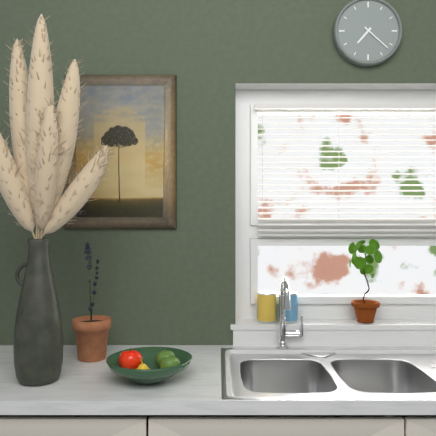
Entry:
h=7 m=22
